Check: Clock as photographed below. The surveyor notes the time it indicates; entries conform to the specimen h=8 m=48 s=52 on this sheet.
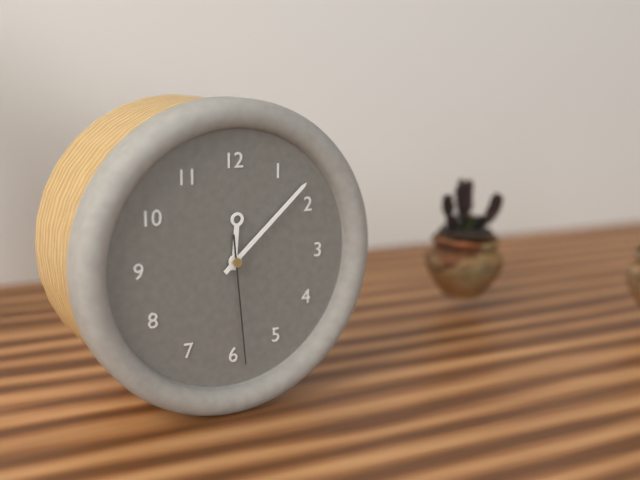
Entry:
h=12 m=8 s=29
